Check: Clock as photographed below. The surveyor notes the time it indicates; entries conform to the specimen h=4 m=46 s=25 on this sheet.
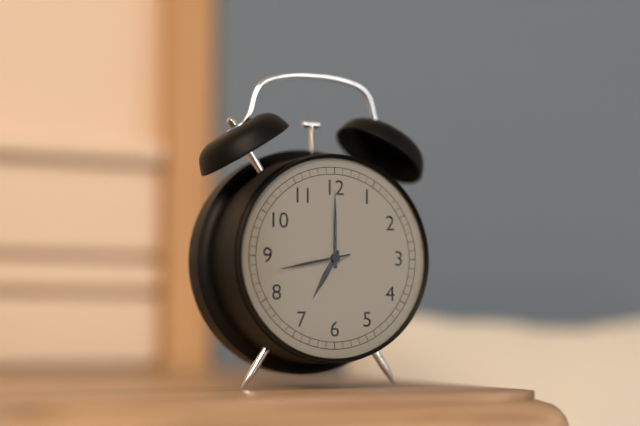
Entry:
h=7 m=0 s=43
